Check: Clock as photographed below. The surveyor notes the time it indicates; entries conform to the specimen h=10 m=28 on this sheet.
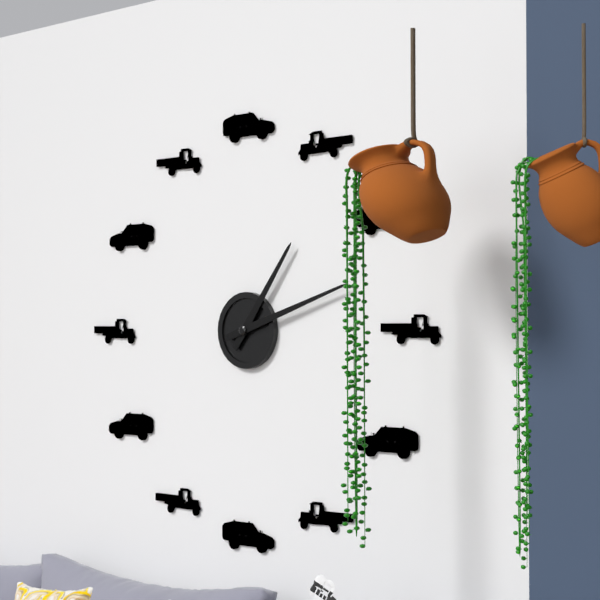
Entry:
h=1 m=12
